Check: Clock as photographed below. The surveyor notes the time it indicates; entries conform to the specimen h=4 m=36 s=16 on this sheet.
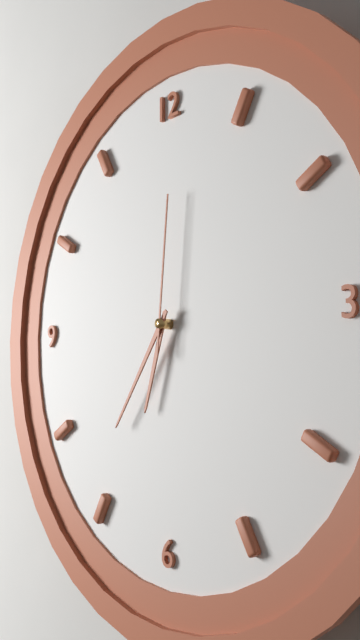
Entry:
h=6 m=36 s=1
